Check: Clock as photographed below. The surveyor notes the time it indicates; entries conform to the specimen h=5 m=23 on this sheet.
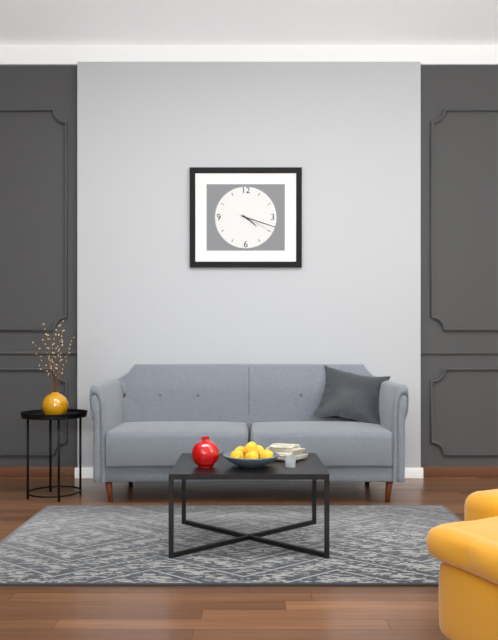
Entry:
h=4 m=18
